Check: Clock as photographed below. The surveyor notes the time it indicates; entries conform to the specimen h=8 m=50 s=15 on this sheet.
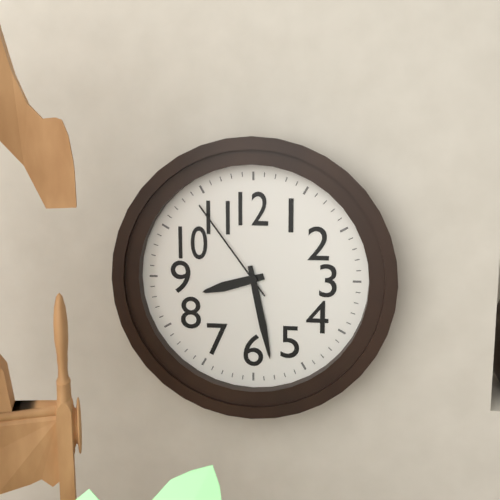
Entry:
h=8 m=28 s=54
